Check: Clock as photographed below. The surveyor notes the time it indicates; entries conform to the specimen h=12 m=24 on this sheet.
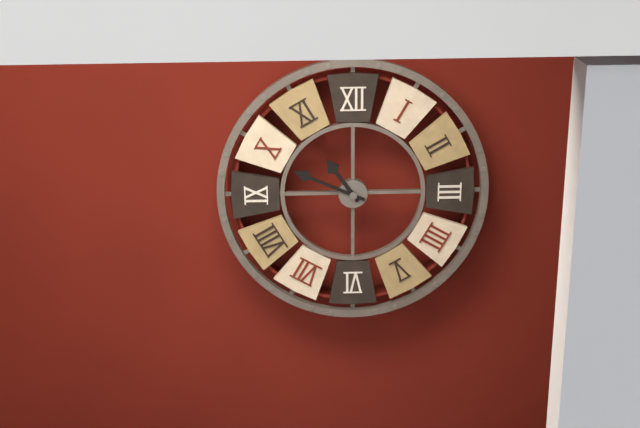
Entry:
h=10 m=49
